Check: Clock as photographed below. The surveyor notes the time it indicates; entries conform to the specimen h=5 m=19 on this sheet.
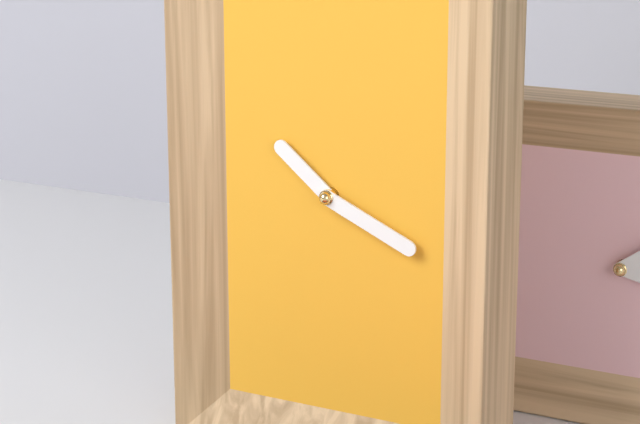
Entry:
h=10 m=19
